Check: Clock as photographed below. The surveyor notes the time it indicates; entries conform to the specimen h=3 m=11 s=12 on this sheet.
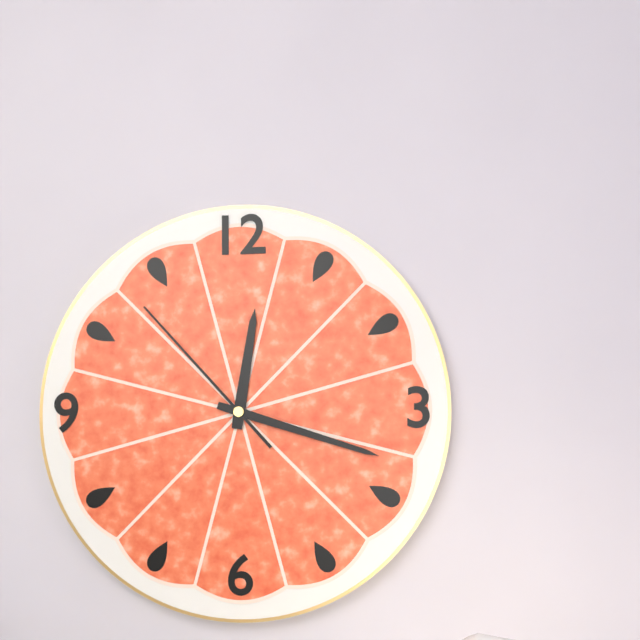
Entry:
h=12 m=18 s=53
